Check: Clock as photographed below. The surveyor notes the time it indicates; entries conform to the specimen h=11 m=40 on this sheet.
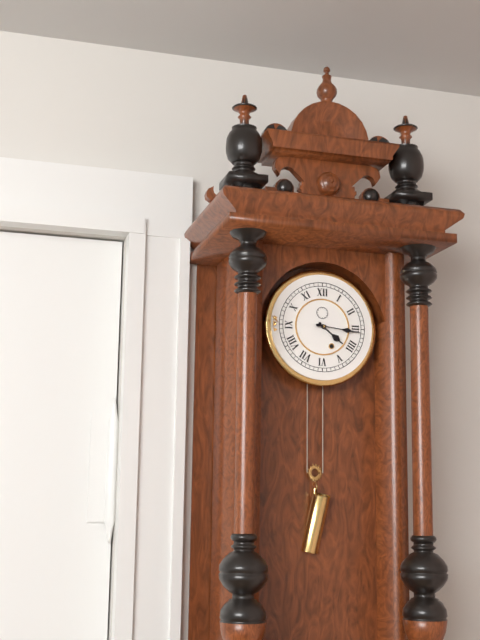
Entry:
h=4 m=16
